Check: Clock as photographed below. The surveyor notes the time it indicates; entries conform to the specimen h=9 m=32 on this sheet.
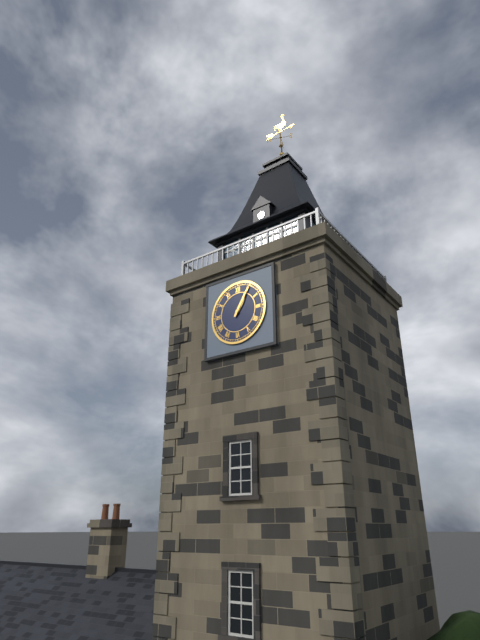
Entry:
h=1 m=5
